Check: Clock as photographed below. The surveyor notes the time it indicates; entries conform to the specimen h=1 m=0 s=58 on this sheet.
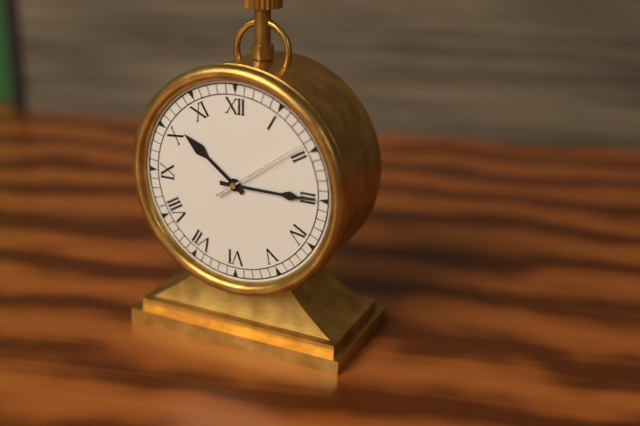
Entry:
h=10 m=15 s=9
